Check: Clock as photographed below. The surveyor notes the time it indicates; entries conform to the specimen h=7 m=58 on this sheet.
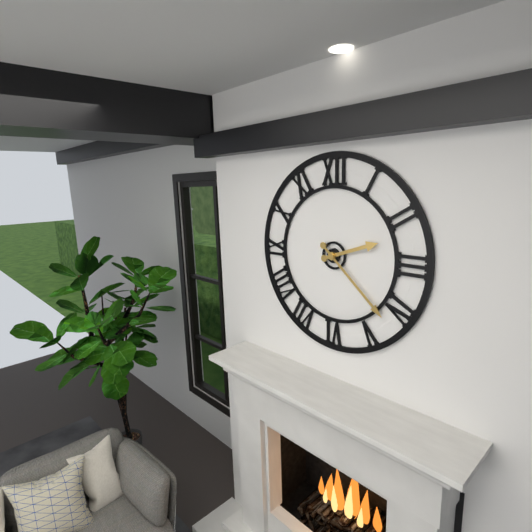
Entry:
h=2 m=22
